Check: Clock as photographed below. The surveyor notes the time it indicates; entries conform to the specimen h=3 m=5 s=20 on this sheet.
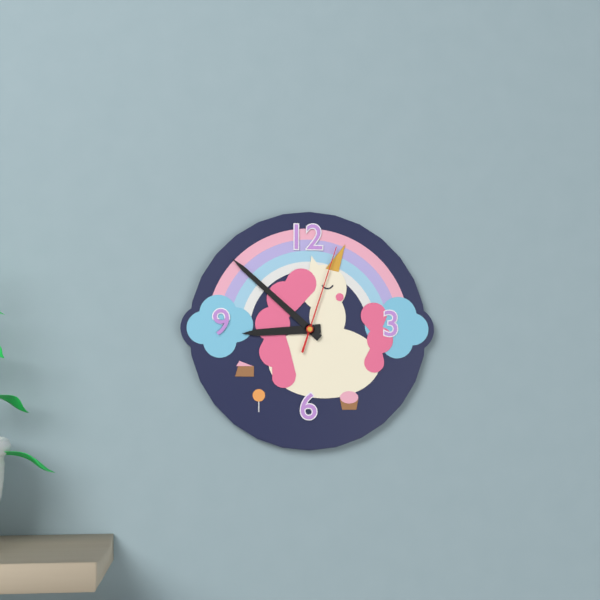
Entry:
h=8 m=52 s=3
